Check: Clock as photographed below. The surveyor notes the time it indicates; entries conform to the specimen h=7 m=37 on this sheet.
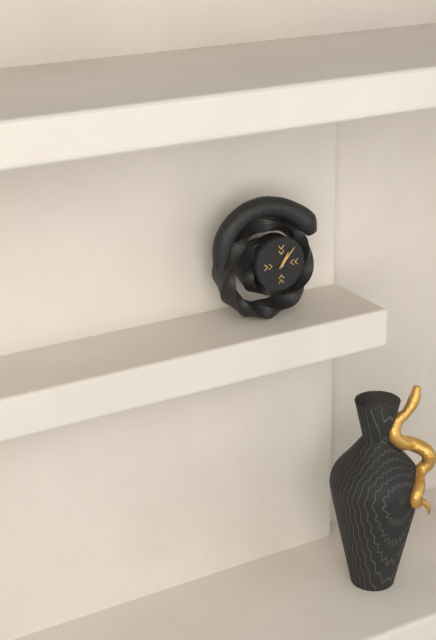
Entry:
h=1 m=7
